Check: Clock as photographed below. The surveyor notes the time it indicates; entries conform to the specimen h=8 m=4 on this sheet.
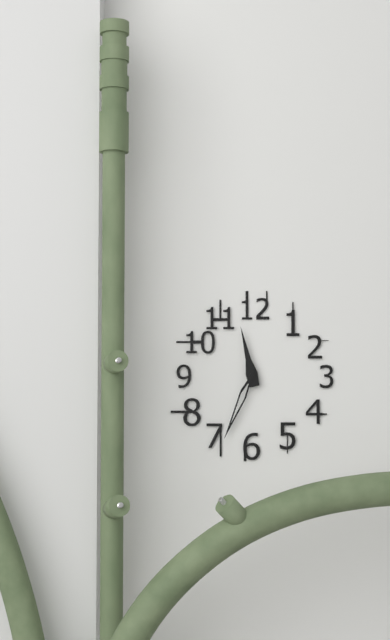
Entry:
h=11 m=34
